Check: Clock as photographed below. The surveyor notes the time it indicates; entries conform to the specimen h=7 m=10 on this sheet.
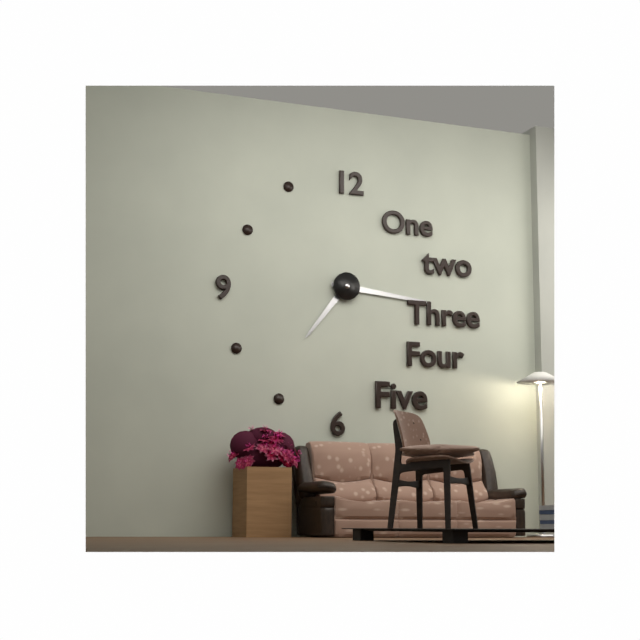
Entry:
h=7 m=16
